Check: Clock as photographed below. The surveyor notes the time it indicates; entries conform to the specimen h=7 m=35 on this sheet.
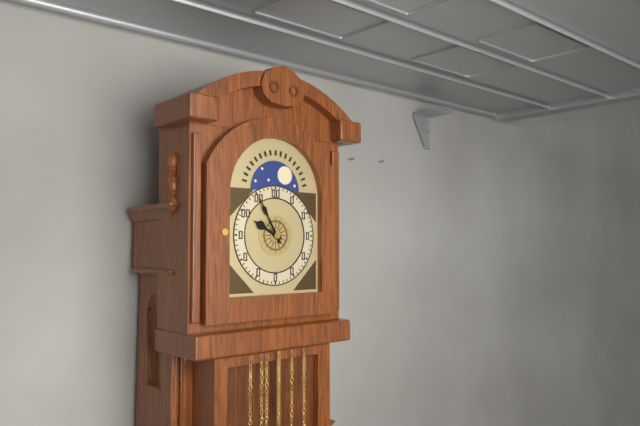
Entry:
h=9 m=55
